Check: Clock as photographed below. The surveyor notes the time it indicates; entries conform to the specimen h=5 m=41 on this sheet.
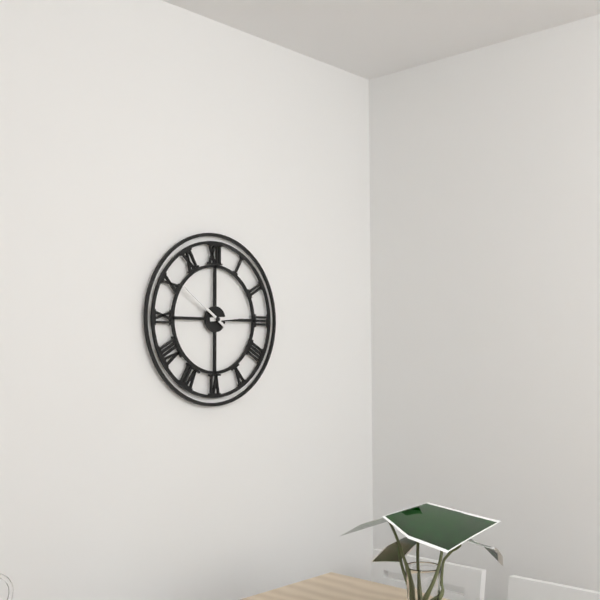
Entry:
h=2 m=51
